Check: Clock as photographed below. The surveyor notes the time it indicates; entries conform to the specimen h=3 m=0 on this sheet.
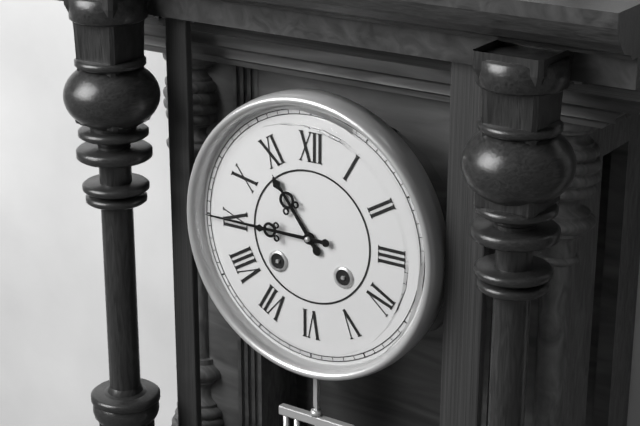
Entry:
h=10 m=45
